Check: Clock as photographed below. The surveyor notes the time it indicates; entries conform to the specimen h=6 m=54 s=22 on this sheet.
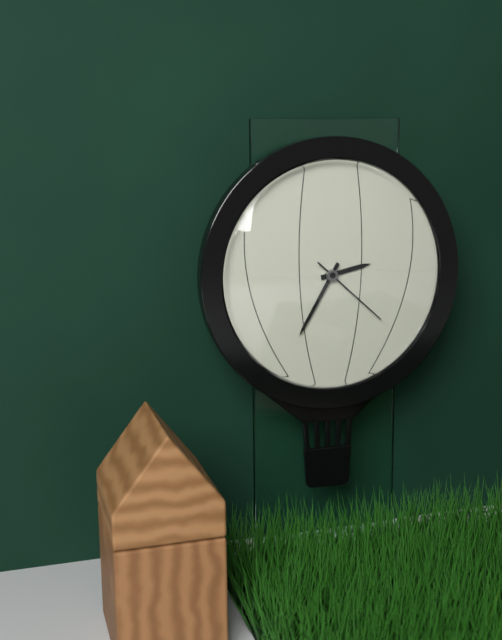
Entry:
h=2 m=35 s=22
